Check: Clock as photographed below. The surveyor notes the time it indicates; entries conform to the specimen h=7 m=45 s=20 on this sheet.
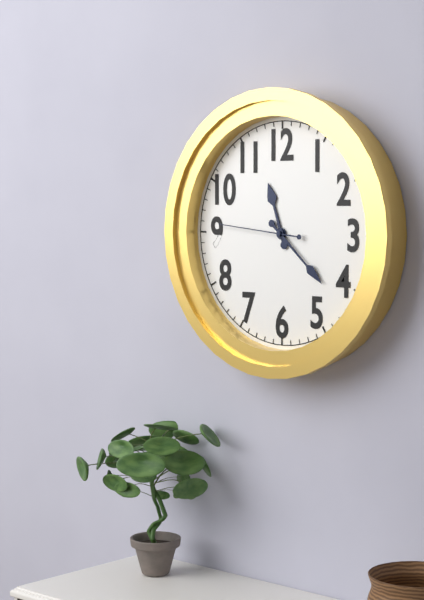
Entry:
h=11 m=22 s=46
